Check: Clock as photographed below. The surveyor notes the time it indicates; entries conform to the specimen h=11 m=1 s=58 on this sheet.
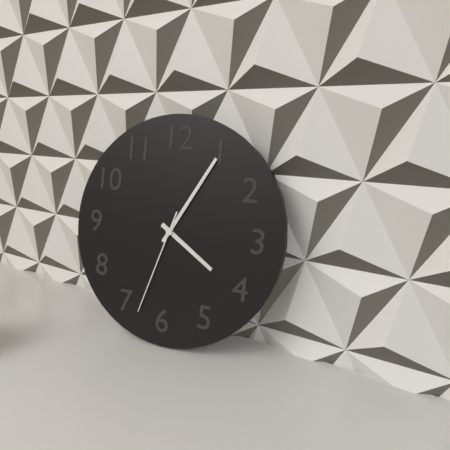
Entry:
h=4 m=5 s=33
